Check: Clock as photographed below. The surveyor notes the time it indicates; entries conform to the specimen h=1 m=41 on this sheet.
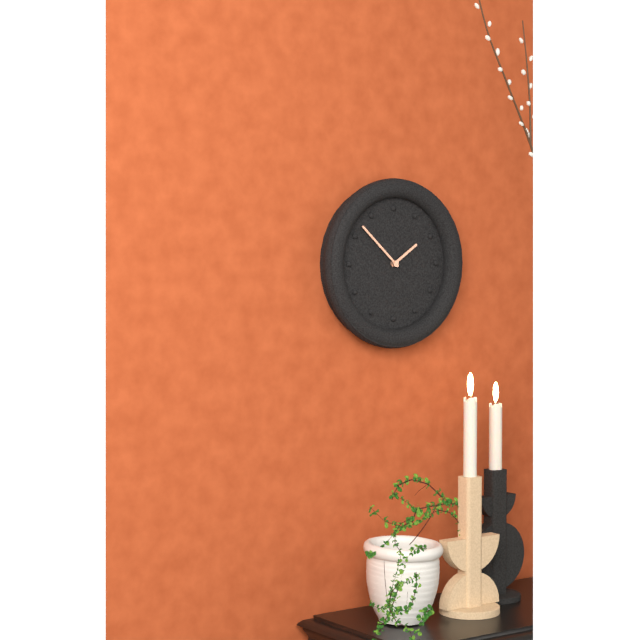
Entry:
h=1 m=52
